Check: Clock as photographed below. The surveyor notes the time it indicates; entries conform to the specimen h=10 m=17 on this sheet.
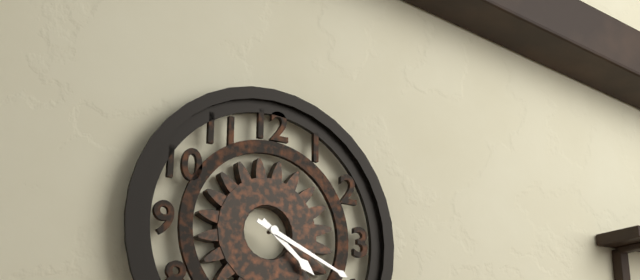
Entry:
h=4 m=19
